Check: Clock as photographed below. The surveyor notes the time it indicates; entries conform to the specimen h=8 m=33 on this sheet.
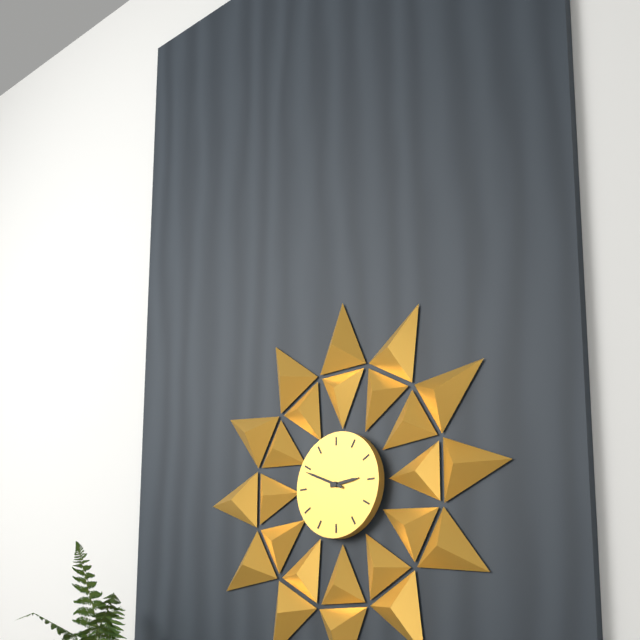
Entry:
h=2 m=49
